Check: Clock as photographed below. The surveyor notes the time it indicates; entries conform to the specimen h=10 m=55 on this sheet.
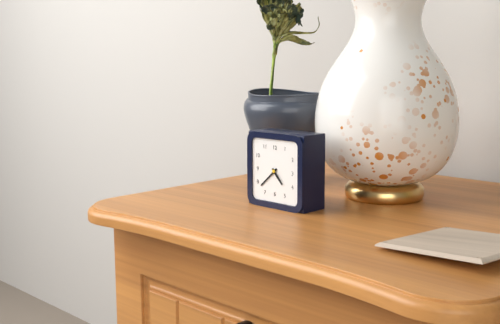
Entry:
h=4 m=38
